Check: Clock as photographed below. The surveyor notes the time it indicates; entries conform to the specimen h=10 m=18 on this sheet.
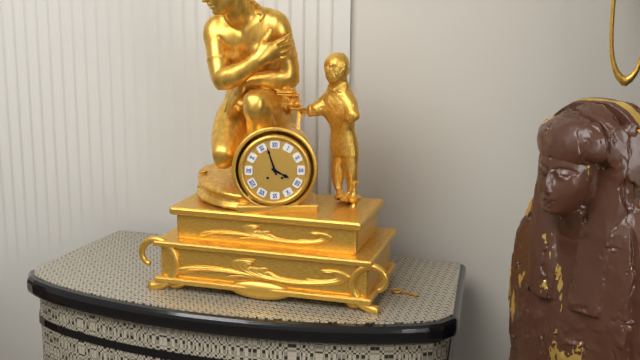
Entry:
h=3 m=57
